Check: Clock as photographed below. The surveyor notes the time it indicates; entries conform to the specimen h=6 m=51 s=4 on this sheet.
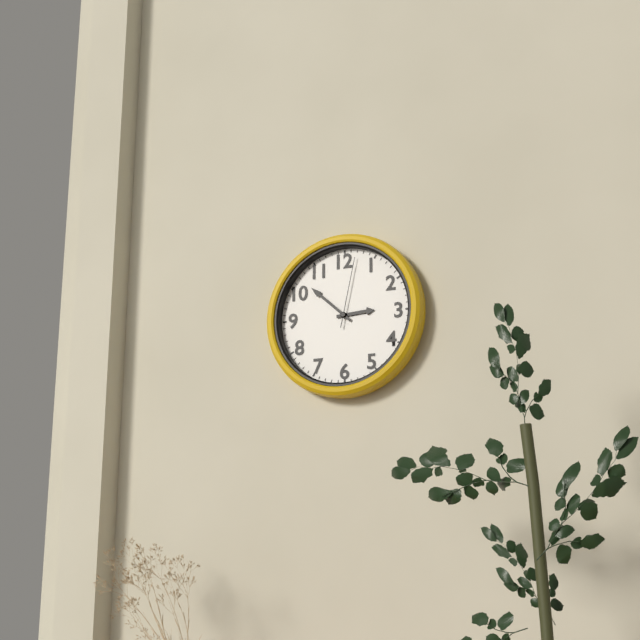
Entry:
h=2 m=52 s=2
